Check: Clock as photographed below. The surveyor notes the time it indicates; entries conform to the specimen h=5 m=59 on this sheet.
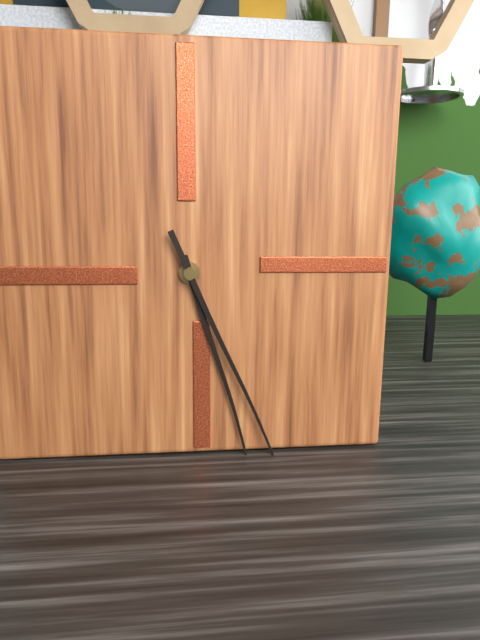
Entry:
h=5 m=26
